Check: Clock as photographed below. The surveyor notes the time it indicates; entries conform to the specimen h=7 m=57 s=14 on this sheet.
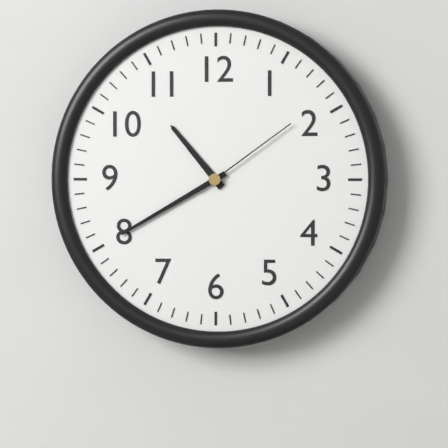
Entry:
h=10 m=40 s=9
